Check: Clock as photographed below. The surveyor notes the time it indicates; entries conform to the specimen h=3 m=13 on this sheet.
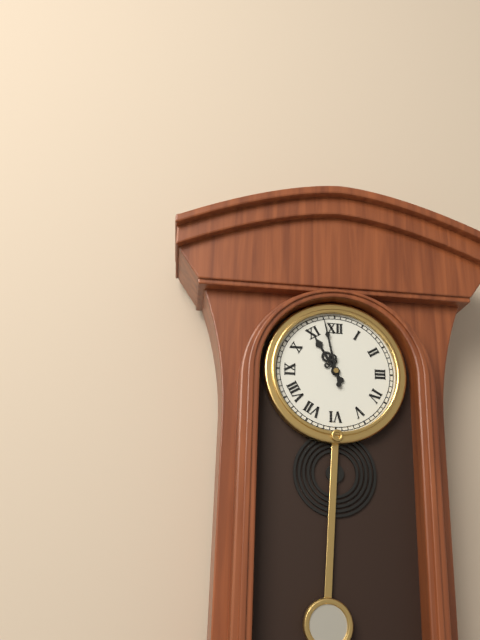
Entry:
h=10 m=58
